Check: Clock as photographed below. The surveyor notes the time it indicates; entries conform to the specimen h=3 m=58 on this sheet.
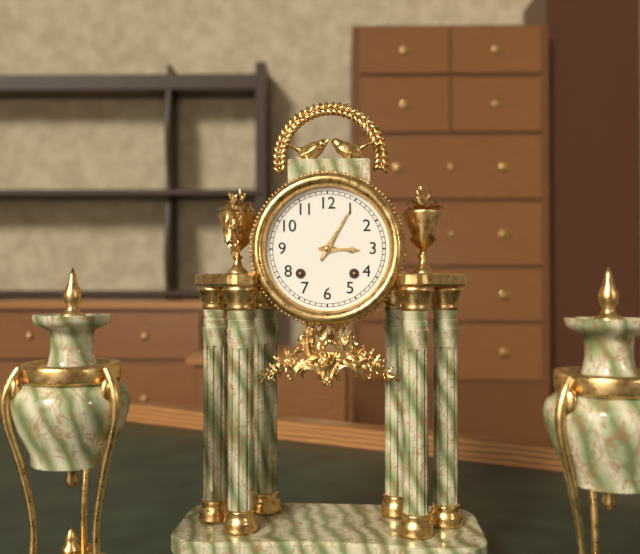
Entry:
h=3 m=5
